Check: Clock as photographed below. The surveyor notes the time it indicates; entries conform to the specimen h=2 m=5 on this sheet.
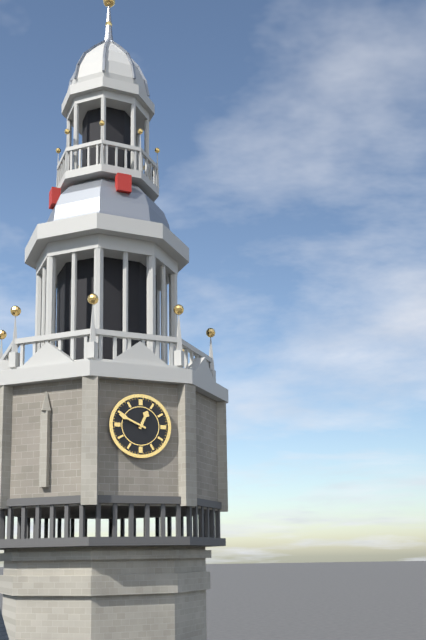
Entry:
h=12 m=49
